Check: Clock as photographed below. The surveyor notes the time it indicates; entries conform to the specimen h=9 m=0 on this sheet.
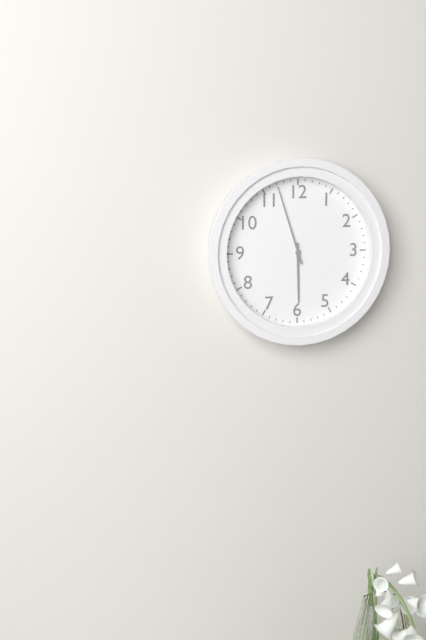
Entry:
h=5 m=57
